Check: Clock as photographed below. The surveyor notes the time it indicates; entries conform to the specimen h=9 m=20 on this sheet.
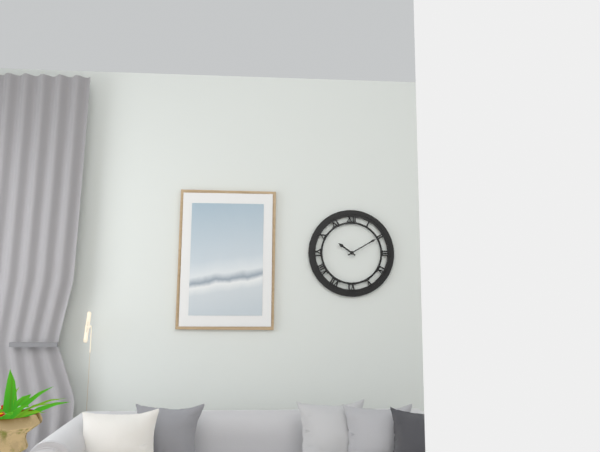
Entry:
h=10 m=10
